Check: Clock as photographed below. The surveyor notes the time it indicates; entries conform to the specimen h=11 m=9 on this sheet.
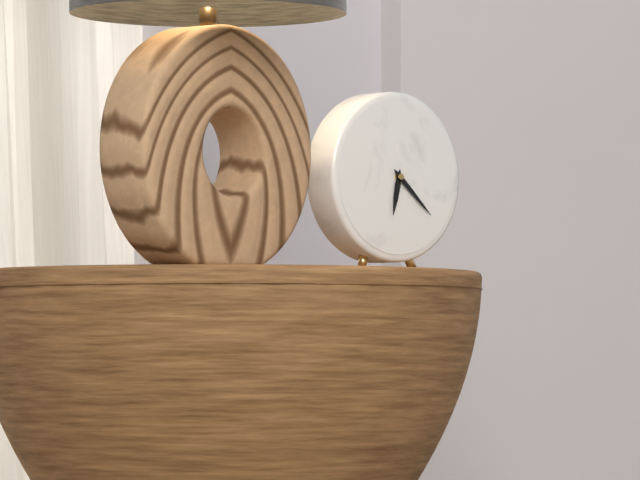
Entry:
h=6 m=22
